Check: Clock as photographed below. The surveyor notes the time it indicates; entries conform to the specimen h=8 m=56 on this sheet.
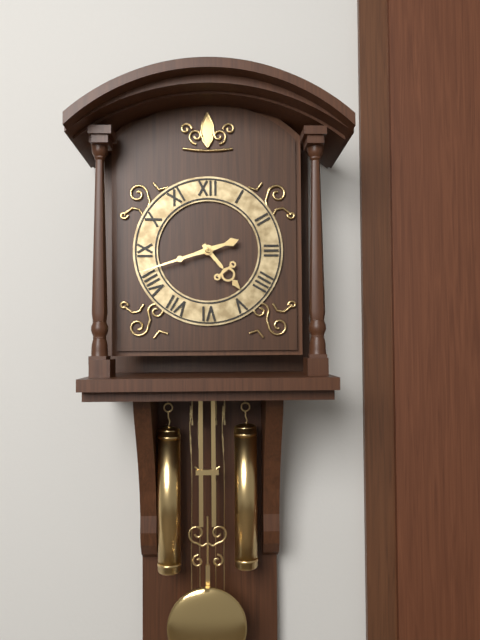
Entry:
h=4 m=42
